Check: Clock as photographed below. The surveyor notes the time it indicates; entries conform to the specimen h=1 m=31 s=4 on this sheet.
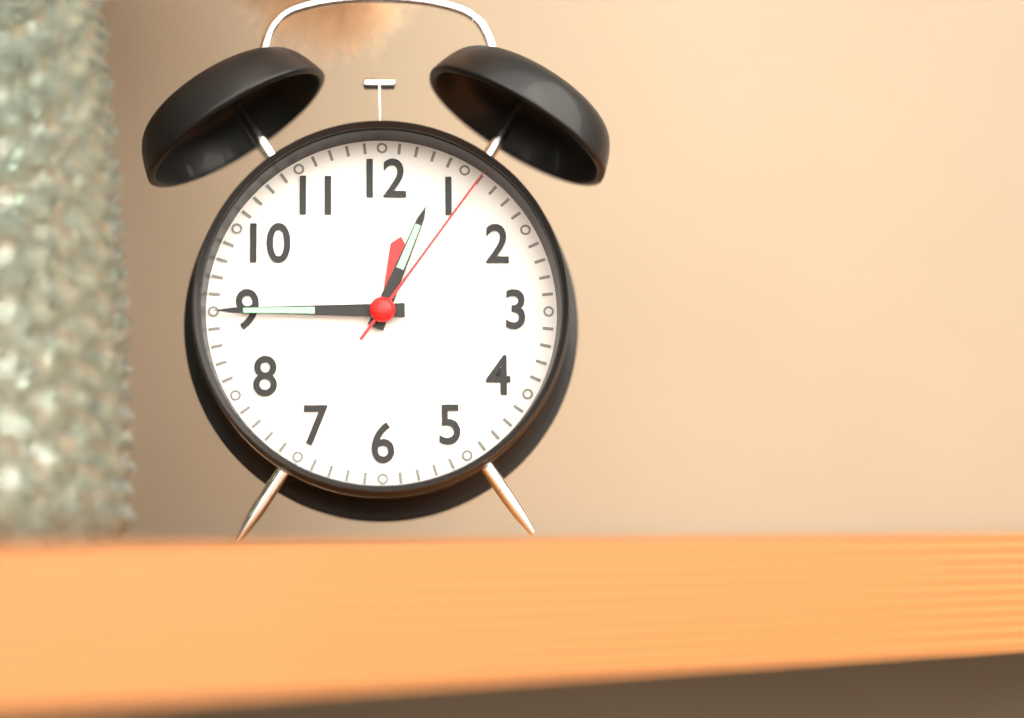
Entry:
h=12 m=45 s=6
